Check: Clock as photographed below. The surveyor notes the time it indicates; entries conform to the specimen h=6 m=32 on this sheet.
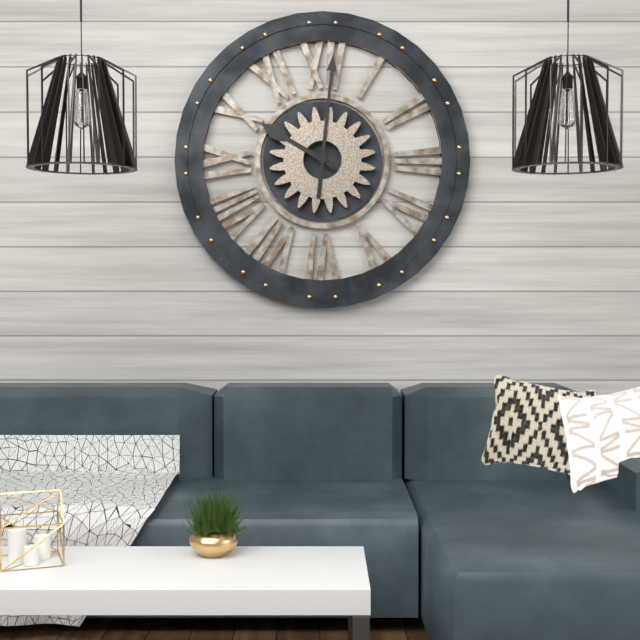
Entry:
h=10 m=1
